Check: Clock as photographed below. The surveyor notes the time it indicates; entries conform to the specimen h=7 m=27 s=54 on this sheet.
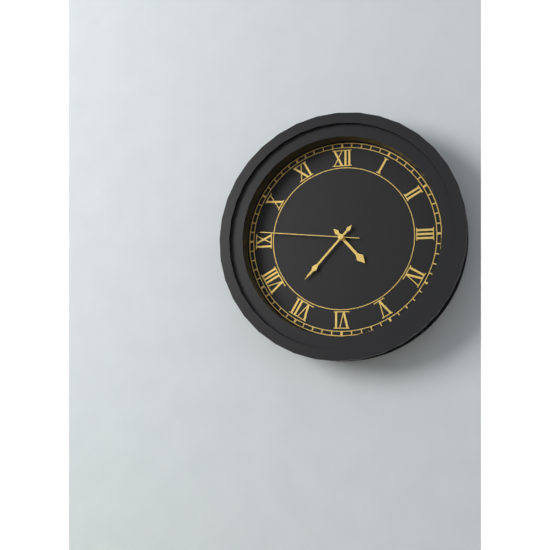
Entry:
h=4 m=37 s=46
